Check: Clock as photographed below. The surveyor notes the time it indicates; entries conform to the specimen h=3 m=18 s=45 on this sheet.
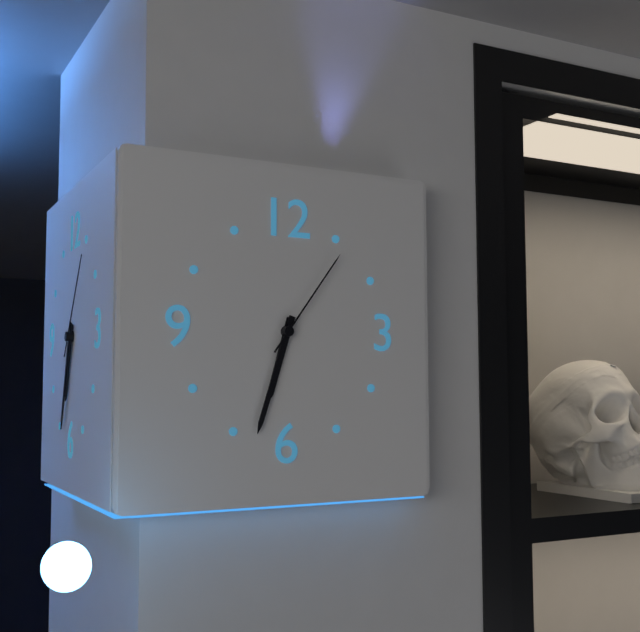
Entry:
h=6 m=33 s=6
